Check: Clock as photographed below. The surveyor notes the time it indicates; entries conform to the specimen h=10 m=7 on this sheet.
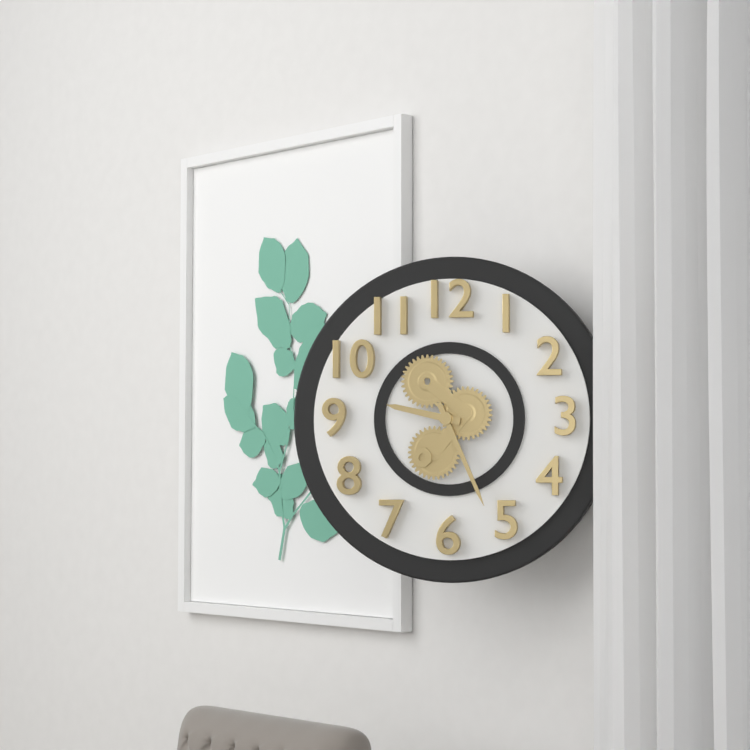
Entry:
h=9 m=26
